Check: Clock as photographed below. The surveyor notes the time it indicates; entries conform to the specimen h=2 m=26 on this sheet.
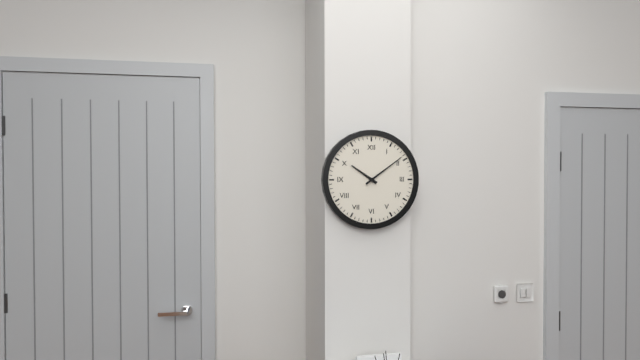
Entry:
h=10 m=9
